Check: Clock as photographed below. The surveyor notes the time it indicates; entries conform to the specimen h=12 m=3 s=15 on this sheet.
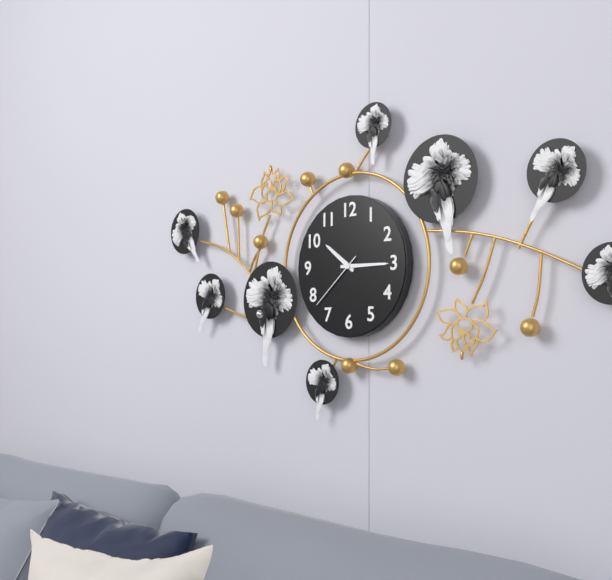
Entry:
h=10 m=15 s=38
